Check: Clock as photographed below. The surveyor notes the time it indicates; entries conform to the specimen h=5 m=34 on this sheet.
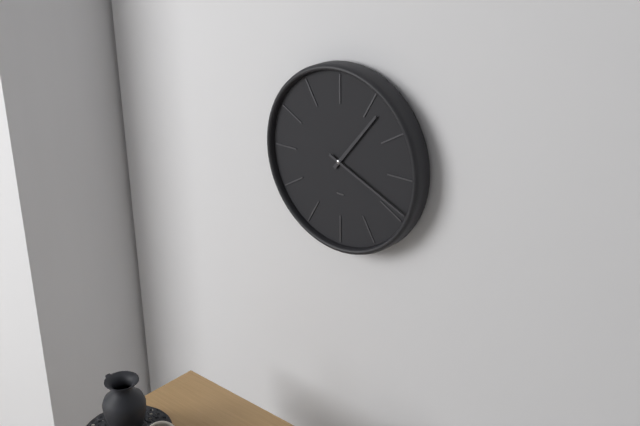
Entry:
h=1 m=19
